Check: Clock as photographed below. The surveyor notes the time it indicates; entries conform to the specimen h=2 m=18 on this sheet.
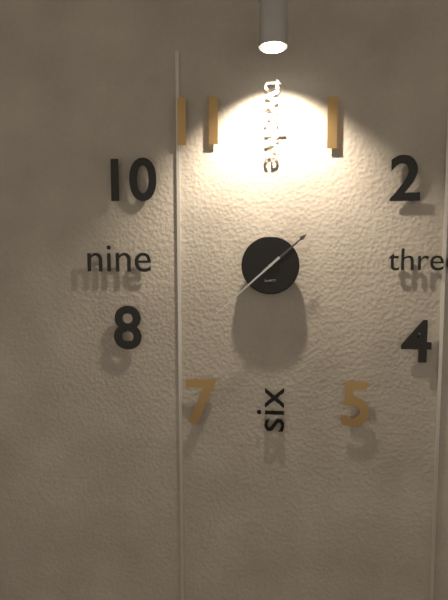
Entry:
h=1 m=38
